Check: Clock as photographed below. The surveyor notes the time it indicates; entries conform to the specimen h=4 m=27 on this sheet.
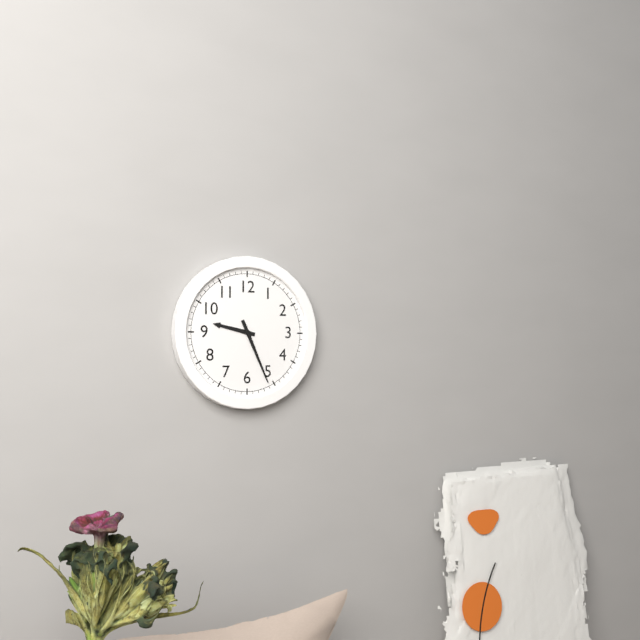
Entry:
h=9 m=26
